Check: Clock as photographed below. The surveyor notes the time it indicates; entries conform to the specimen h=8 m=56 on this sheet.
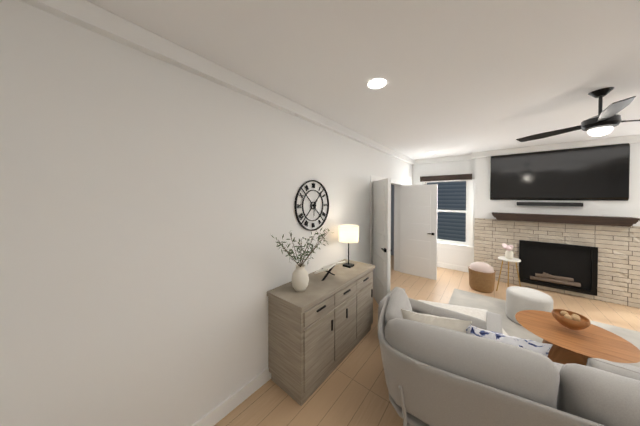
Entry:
h=6 m=6
